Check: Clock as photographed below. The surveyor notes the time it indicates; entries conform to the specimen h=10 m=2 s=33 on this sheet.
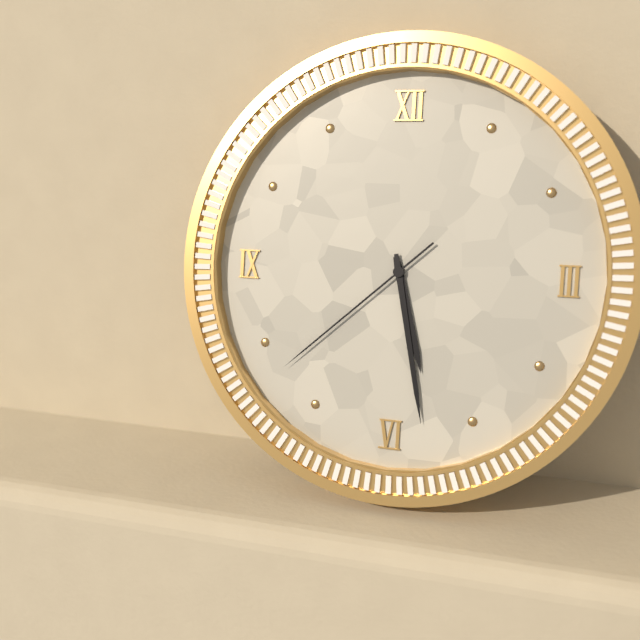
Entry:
h=5 m=28 s=38
